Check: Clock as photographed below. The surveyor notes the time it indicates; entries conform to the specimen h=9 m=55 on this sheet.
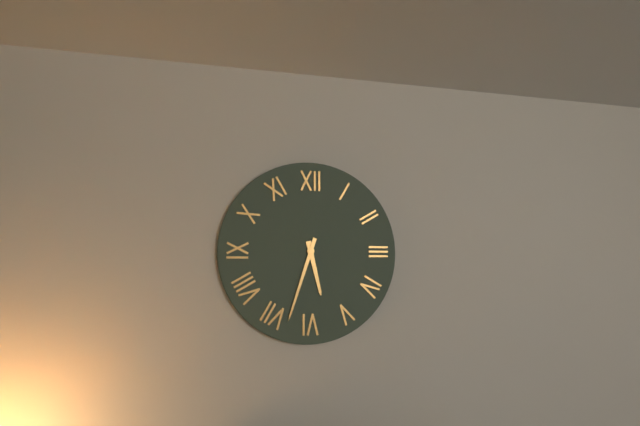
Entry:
h=5 m=33
